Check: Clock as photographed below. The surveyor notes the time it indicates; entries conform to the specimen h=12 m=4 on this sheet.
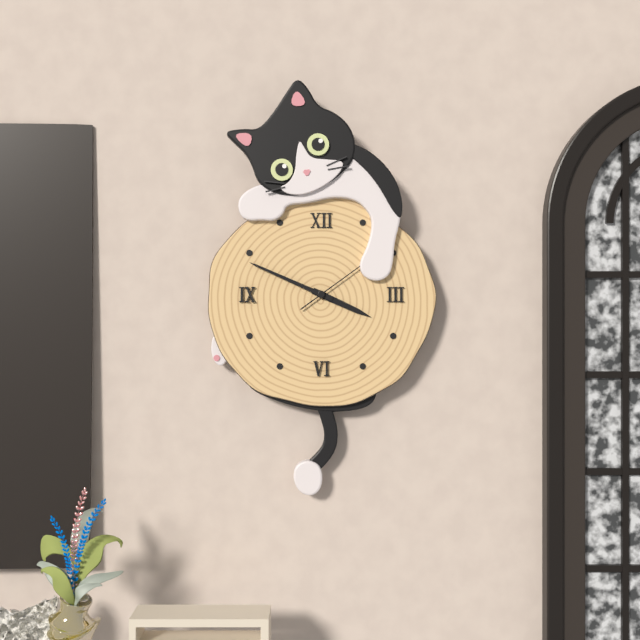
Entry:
h=3 m=49
